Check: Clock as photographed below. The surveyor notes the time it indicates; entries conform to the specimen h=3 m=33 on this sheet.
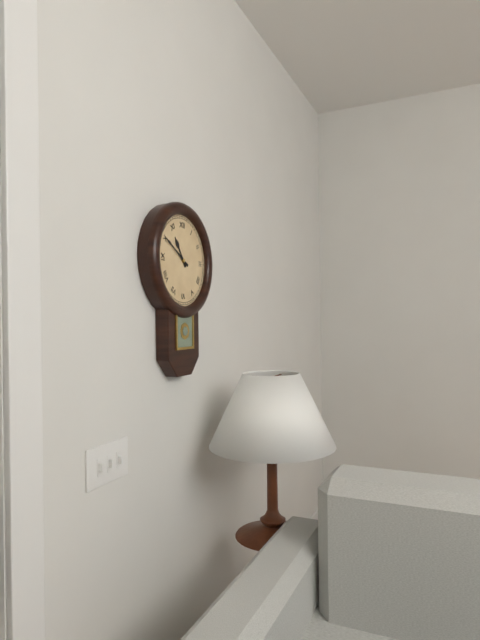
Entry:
h=10 m=50
